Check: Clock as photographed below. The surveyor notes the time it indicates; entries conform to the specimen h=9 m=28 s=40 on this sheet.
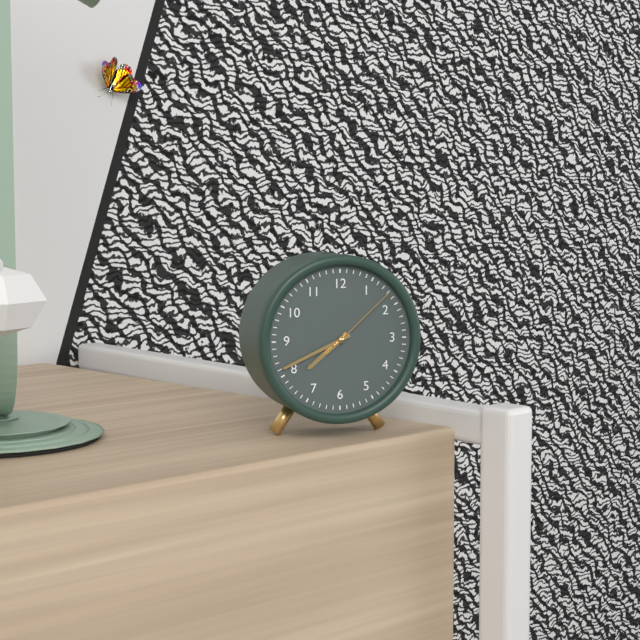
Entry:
h=7 m=41 s=8
